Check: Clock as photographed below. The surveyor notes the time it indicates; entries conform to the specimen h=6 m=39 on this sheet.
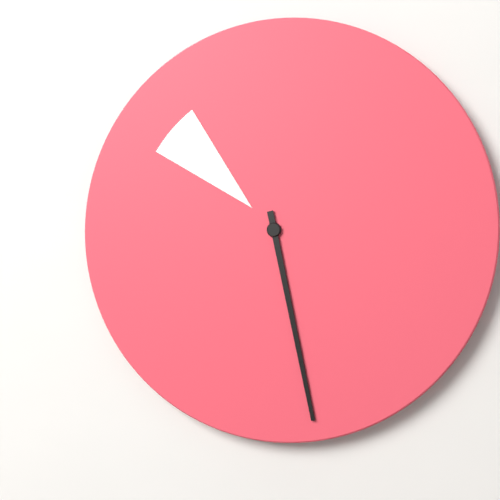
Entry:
h=10 m=28
